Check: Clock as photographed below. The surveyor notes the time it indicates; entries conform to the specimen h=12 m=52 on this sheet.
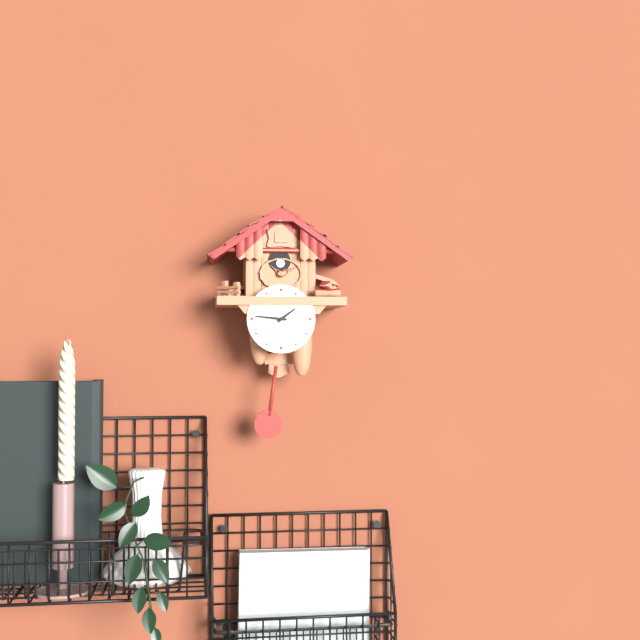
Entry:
h=1 m=46
